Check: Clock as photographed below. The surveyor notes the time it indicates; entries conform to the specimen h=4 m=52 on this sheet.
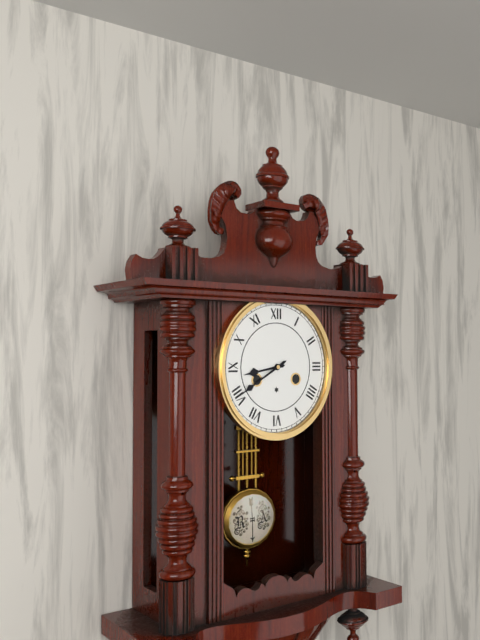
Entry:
h=8 m=40
